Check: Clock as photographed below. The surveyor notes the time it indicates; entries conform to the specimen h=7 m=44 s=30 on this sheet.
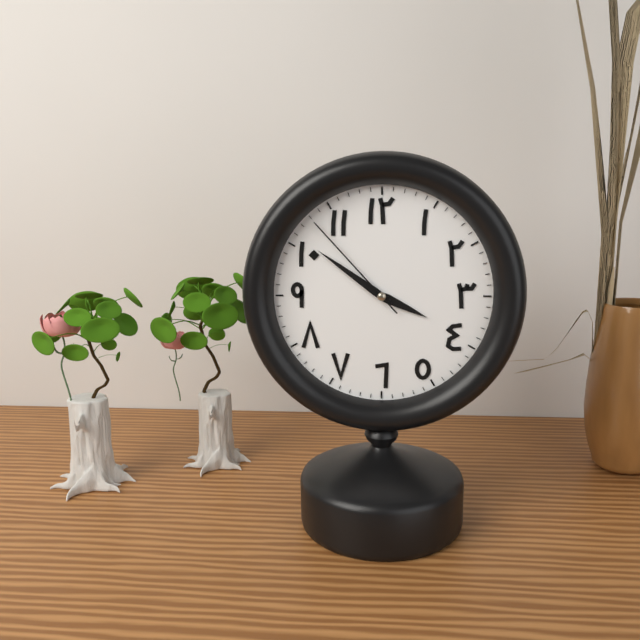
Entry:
h=3 m=51 s=53
